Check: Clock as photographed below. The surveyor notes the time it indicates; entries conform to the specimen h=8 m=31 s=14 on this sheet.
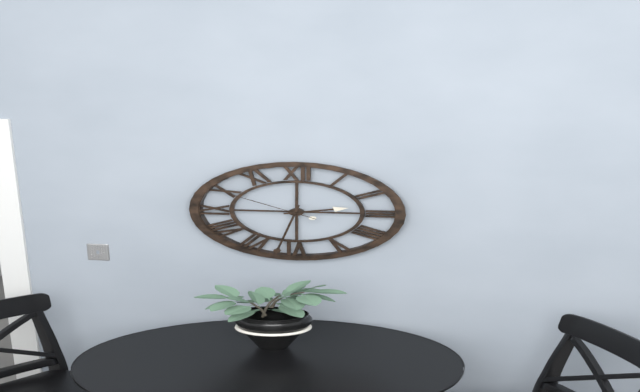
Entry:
h=2 m=32 s=50
